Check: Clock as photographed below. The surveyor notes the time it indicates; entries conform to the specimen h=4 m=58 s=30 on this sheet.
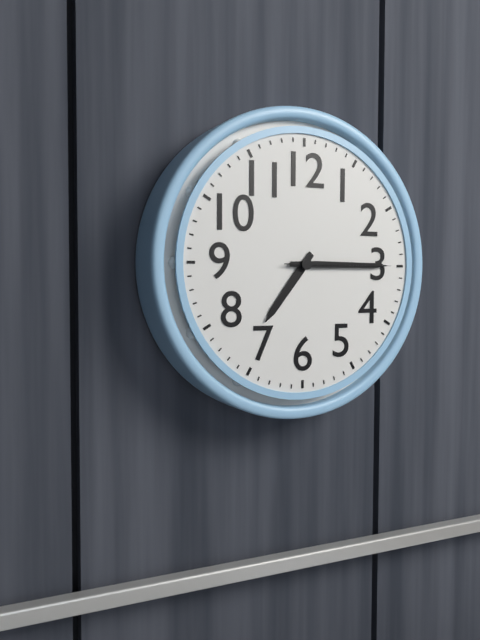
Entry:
h=7 m=15 s=15
